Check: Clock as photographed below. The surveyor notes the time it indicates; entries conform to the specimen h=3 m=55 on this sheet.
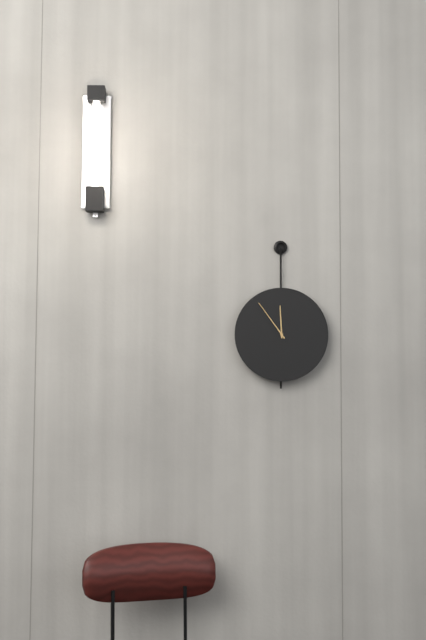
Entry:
h=11 m=54
